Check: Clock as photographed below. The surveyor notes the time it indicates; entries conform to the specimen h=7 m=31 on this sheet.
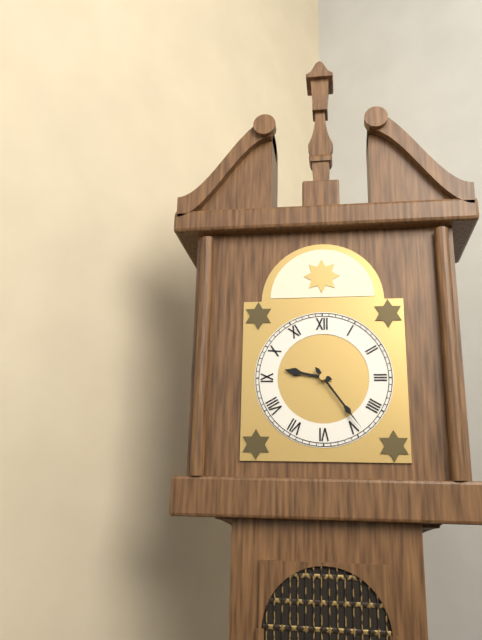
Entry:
h=9 m=24
